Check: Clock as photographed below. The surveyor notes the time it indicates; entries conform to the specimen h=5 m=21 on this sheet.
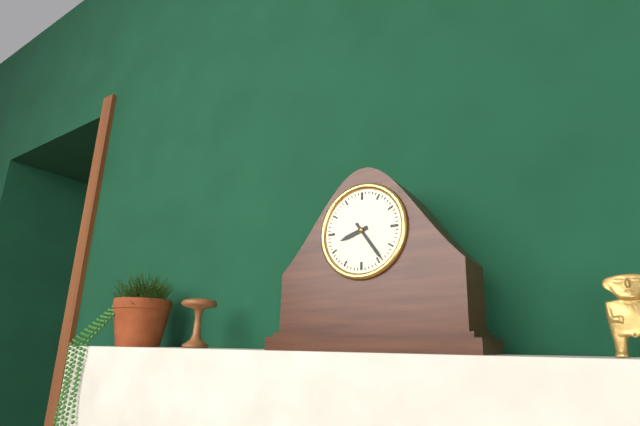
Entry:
h=8 m=24
